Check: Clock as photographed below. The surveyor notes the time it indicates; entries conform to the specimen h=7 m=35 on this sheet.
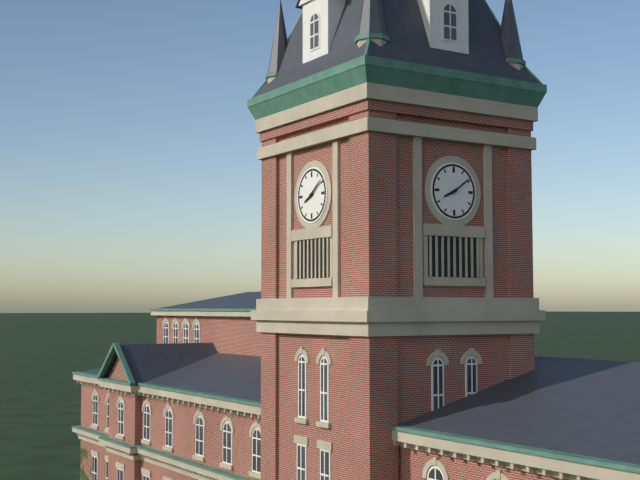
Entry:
h=8 m=9
